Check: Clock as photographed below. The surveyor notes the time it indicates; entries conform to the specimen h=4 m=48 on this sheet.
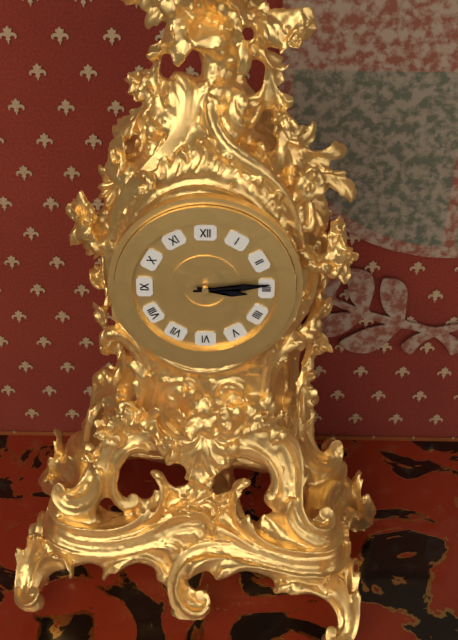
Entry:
h=3 m=14
